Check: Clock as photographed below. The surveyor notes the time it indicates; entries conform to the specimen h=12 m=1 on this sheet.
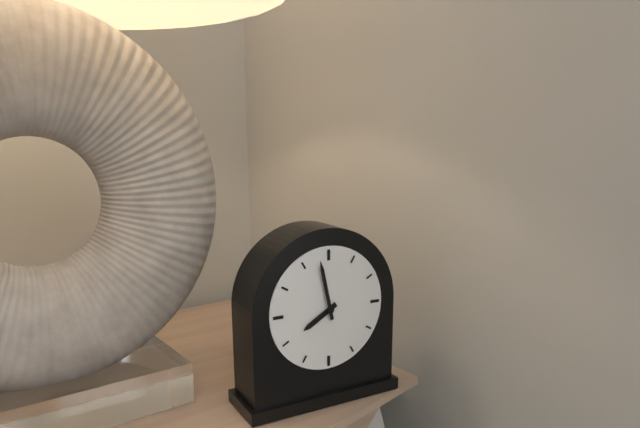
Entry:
h=7 m=58
